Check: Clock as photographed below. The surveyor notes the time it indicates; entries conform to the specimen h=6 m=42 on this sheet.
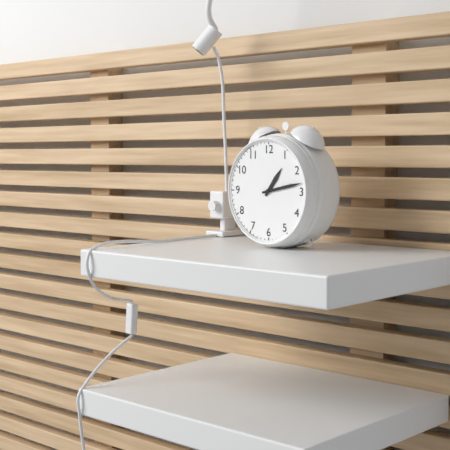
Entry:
h=1 m=13
